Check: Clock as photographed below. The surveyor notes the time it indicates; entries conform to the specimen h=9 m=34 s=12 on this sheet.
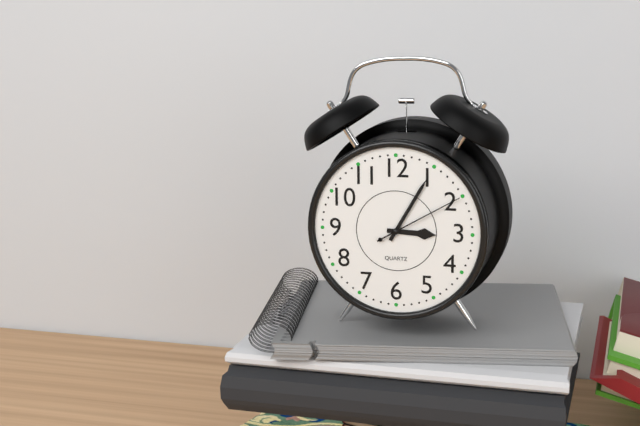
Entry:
h=3 m=5 s=10
